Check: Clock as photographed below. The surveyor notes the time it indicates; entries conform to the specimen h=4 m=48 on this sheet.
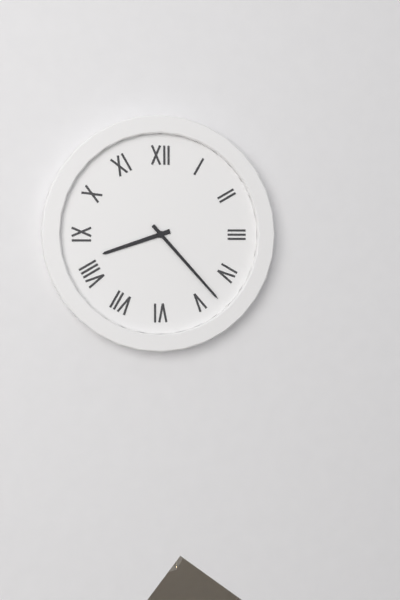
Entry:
h=8 m=23
